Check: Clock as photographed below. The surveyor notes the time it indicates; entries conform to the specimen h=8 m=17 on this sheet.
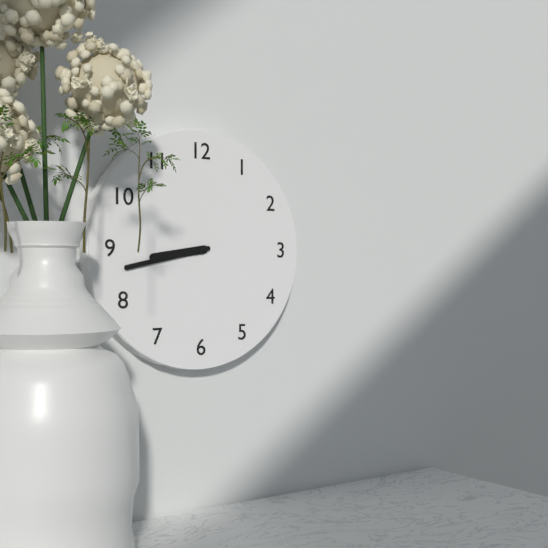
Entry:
h=8 m=43
